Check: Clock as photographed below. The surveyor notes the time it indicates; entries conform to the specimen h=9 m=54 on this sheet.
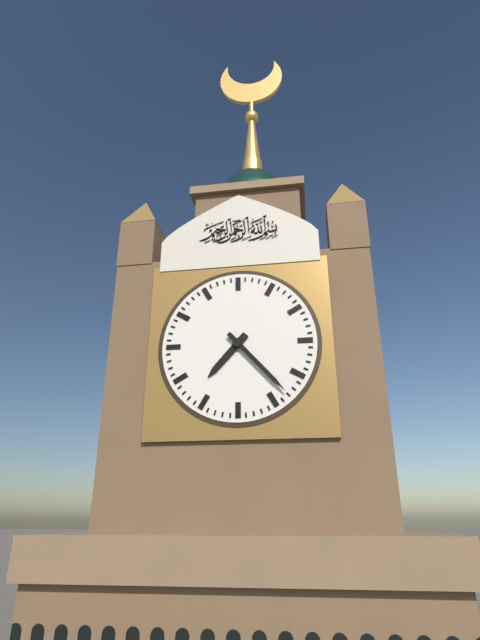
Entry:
h=7 m=23
